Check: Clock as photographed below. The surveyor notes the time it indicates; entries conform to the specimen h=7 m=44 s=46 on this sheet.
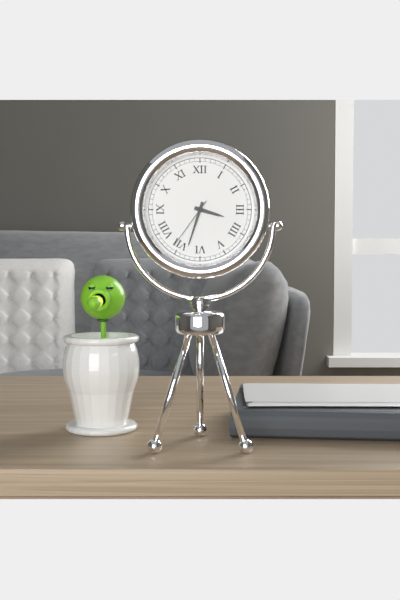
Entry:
h=3 m=33 s=36
